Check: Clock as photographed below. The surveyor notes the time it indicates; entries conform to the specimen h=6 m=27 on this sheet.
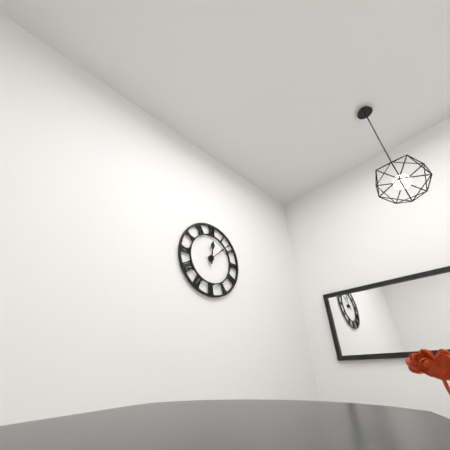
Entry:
h=12 m=8
